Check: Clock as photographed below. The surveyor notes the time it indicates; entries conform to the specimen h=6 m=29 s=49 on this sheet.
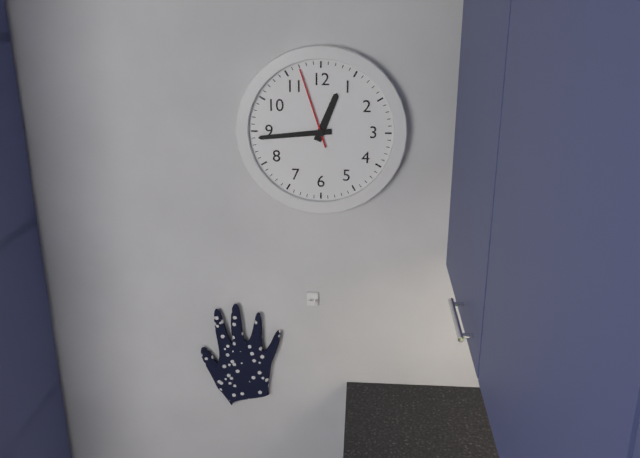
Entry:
h=12 m=44 s=57
